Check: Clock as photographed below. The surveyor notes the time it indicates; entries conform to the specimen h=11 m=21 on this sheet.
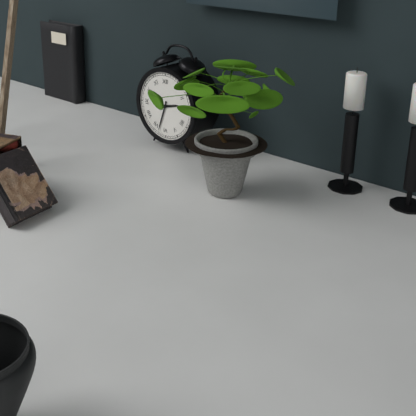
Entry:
h=2 m=33
